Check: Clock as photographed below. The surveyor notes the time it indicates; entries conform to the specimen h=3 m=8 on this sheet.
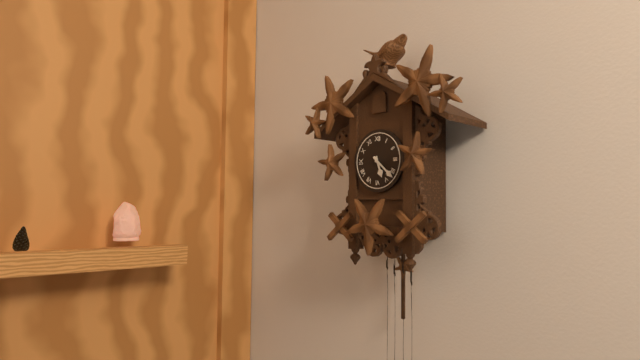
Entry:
h=5 m=22
